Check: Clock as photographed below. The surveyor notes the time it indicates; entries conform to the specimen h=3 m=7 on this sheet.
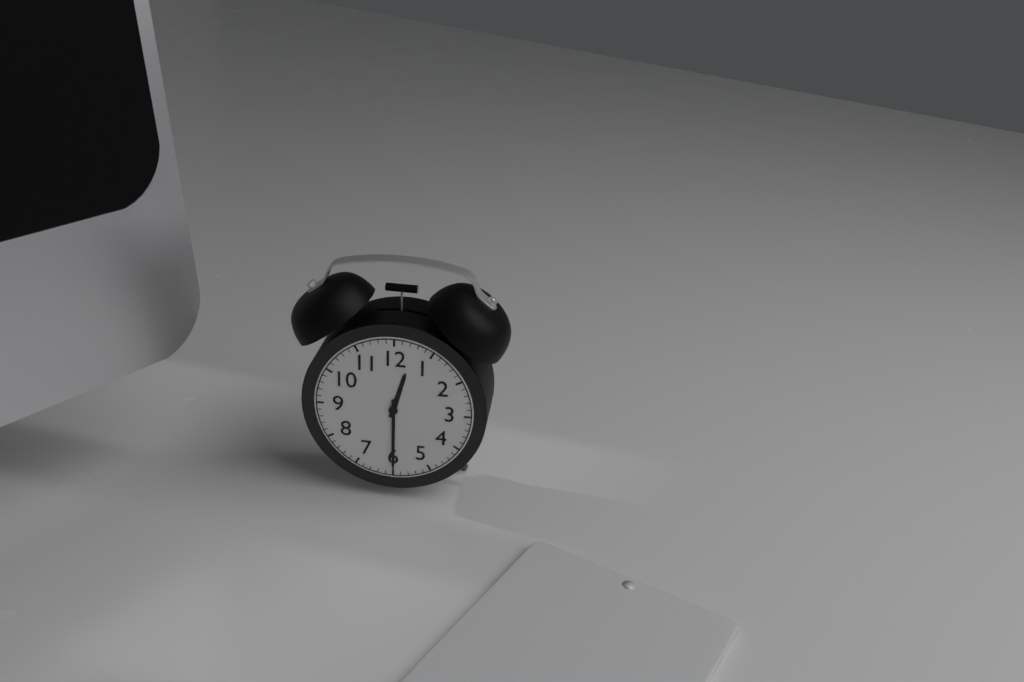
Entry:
h=12 m=30
